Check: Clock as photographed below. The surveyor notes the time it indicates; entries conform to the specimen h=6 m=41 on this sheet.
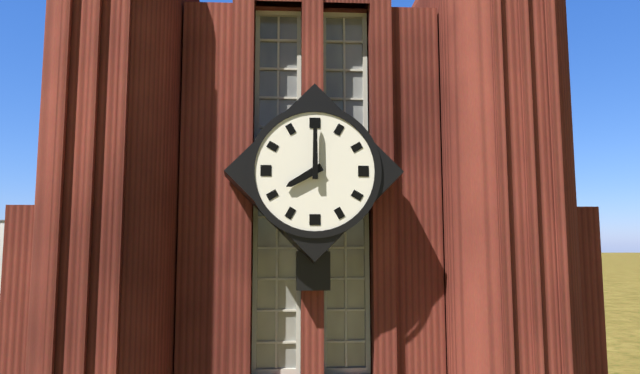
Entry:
h=8 m=0
